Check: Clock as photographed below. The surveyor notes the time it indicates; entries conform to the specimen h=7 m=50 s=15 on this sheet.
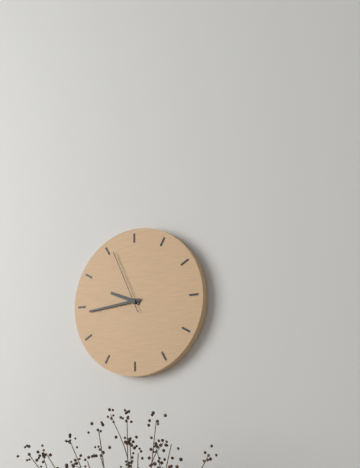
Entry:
h=9 m=44 s=56
